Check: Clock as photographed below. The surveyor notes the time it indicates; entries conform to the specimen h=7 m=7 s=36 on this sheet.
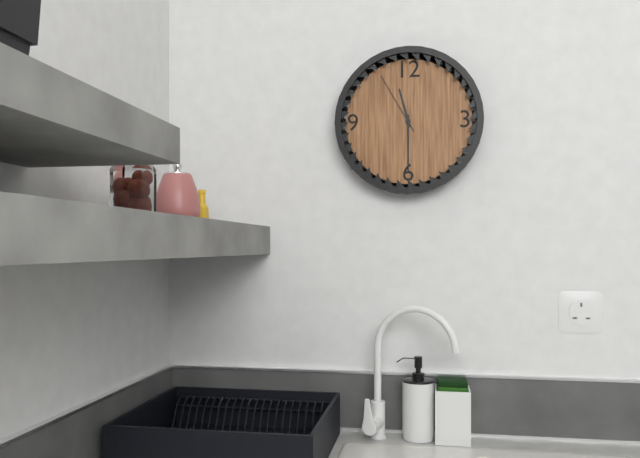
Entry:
h=11 m=30 s=55
